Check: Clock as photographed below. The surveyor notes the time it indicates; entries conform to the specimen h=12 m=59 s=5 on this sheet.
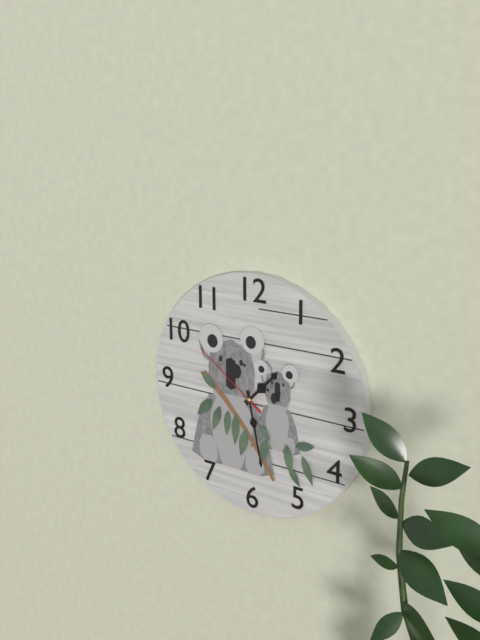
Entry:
h=1 m=28 s=51
